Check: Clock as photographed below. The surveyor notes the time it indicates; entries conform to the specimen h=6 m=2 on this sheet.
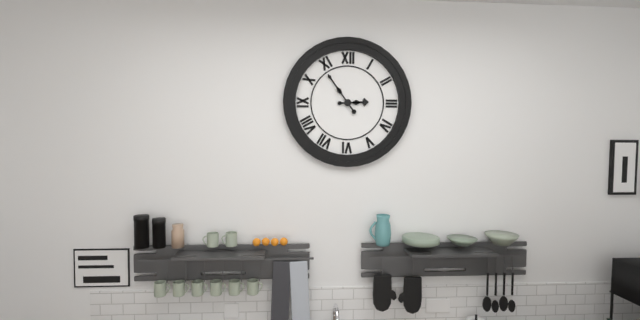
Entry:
h=2 m=54
